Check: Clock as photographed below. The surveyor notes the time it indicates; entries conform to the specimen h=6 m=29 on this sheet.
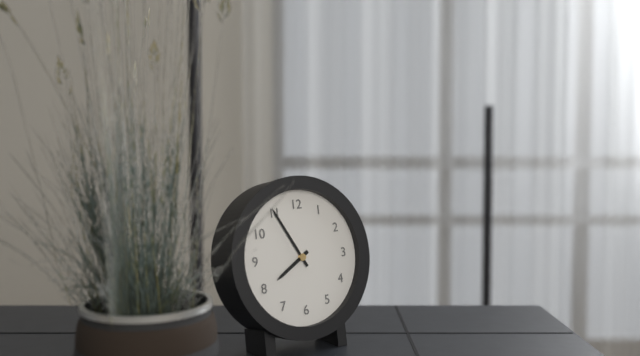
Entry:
h=7 m=55
